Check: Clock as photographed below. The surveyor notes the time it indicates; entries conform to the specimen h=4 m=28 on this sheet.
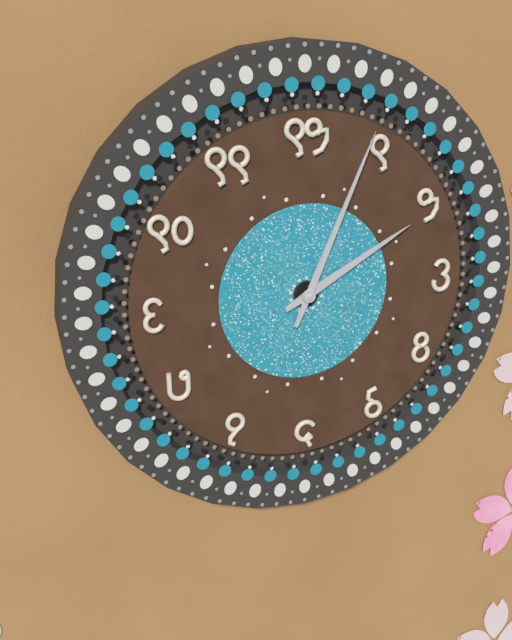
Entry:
h=2 m=4
